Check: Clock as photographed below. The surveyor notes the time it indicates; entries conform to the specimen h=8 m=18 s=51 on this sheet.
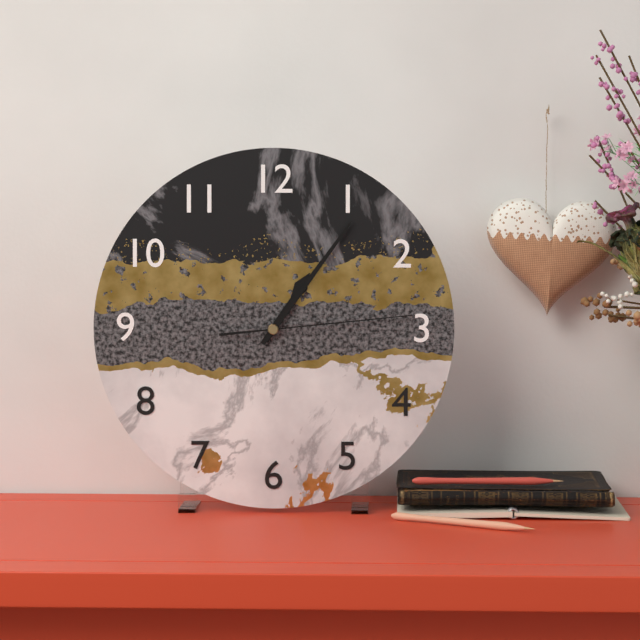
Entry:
h=1 m=6 s=14
